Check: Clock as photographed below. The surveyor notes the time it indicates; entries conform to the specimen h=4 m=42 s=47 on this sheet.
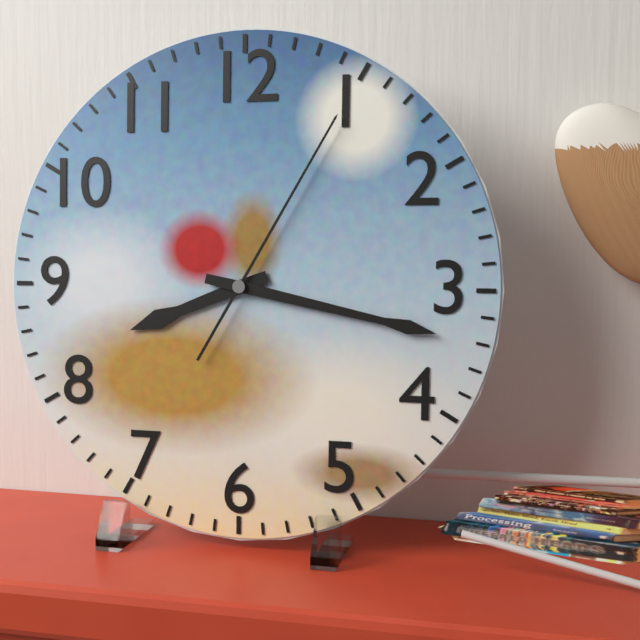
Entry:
h=8 m=17 s=5
